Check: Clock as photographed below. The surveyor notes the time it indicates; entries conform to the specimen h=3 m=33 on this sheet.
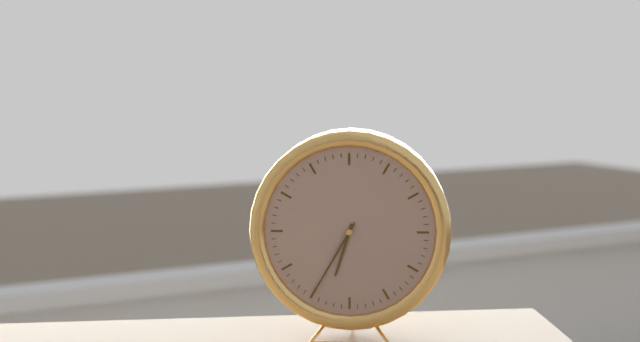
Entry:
h=6 m=35
